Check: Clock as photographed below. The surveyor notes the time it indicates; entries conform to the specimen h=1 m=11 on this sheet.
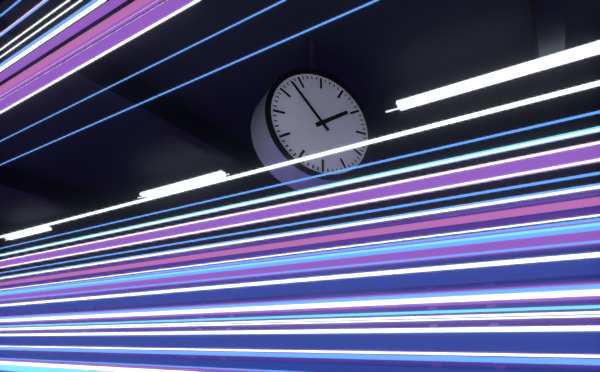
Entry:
h=1 m=53
